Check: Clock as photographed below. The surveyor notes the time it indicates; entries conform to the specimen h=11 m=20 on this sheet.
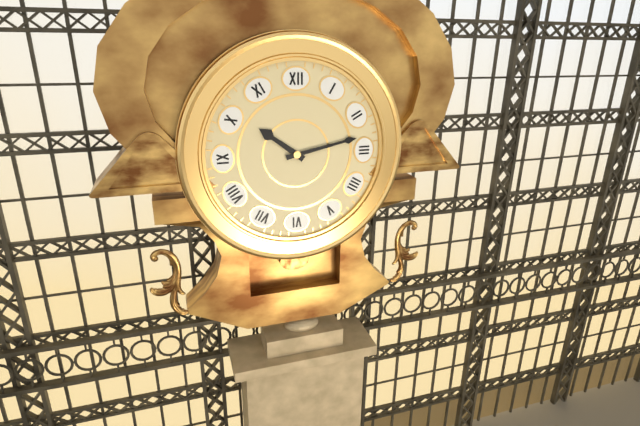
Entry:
h=10 m=13
